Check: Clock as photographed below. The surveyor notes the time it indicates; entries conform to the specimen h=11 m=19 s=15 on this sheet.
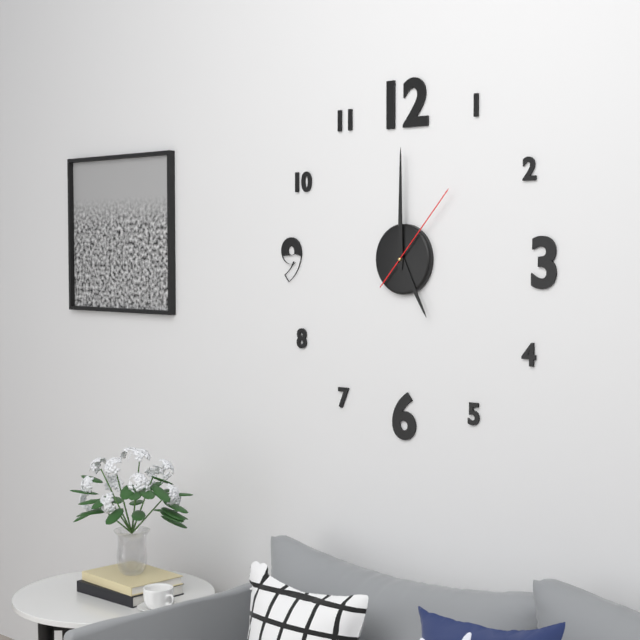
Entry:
h=5 m=0 s=7
